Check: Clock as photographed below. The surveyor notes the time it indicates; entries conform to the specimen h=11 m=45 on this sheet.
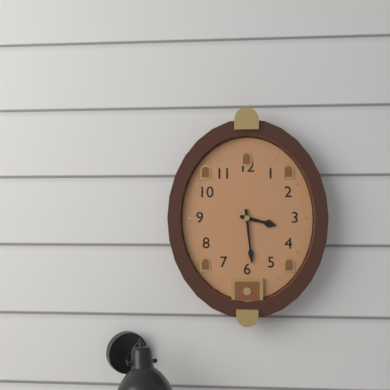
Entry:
h=3 m=29
